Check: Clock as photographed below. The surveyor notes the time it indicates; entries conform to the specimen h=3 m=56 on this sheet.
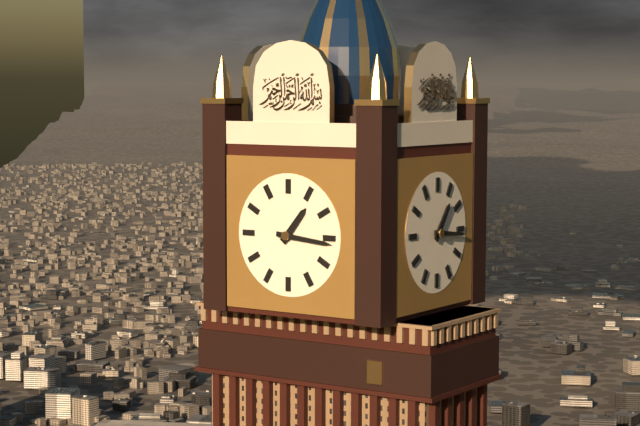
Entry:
h=1 m=16
